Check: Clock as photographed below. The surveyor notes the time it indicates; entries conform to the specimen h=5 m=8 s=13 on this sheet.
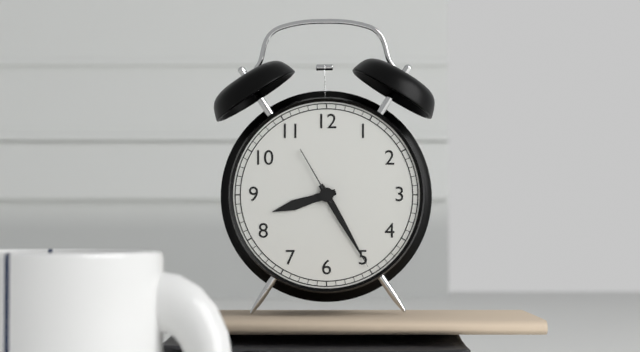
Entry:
h=8 m=25 s=55
